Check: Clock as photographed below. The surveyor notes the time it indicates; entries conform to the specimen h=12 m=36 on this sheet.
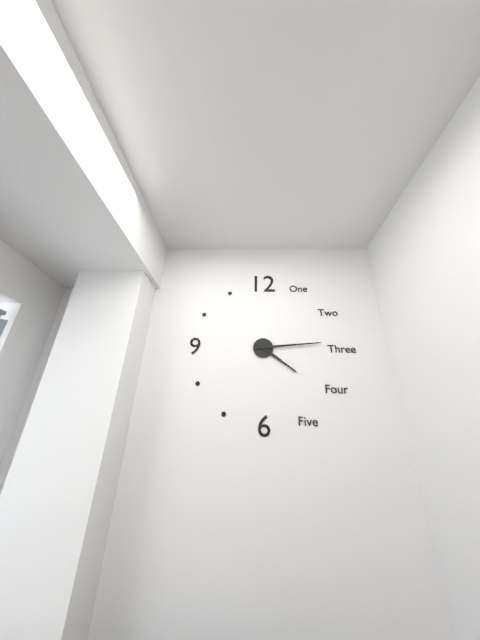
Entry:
h=4 m=14
